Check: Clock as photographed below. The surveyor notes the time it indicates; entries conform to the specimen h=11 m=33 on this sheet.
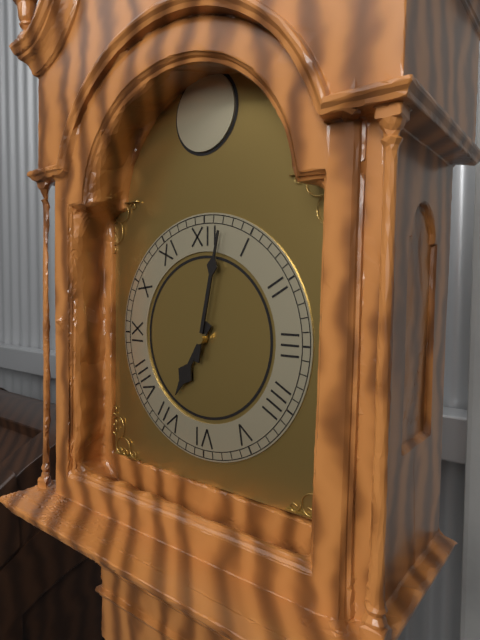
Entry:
h=7 m=2
